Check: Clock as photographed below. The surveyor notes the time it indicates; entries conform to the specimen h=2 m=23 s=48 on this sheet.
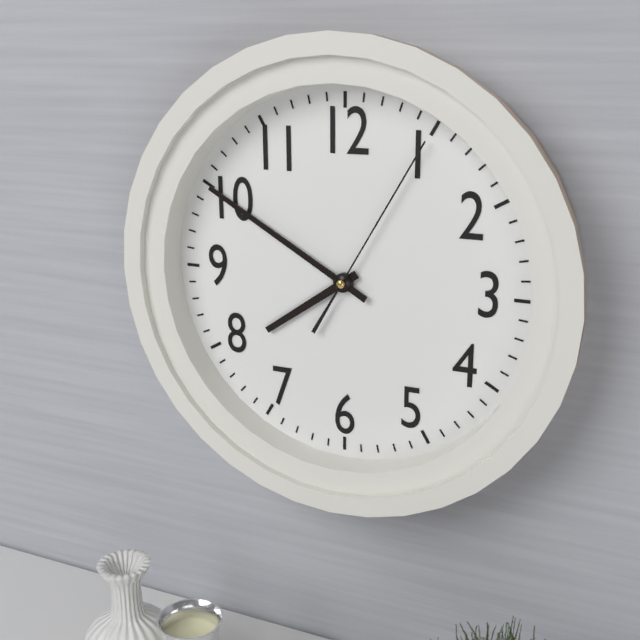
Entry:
h=7 m=50 s=5
